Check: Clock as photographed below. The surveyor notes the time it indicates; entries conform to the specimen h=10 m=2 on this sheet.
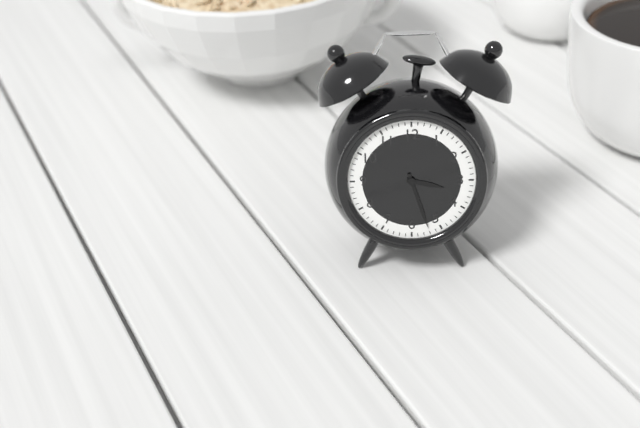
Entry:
h=3 m=27
